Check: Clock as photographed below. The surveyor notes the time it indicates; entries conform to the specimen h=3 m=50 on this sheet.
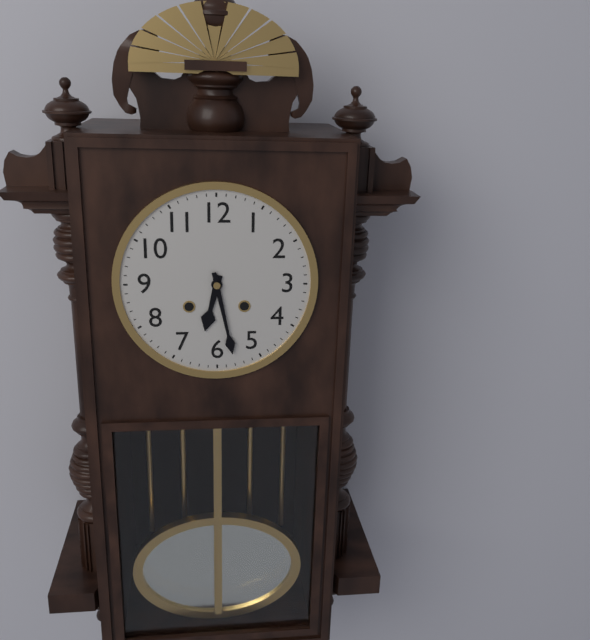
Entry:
h=6 m=28
